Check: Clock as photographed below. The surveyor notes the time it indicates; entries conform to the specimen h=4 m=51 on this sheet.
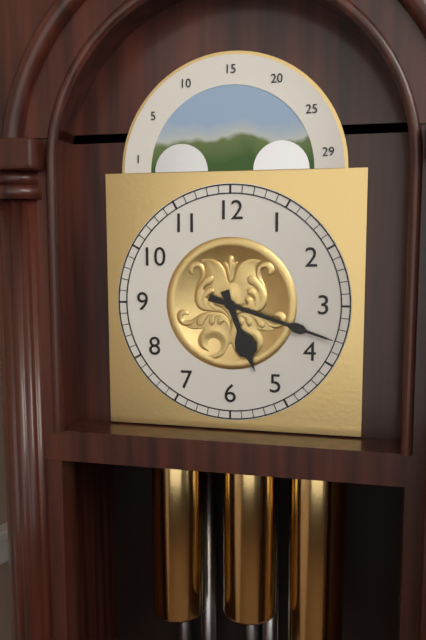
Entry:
h=5 m=18
